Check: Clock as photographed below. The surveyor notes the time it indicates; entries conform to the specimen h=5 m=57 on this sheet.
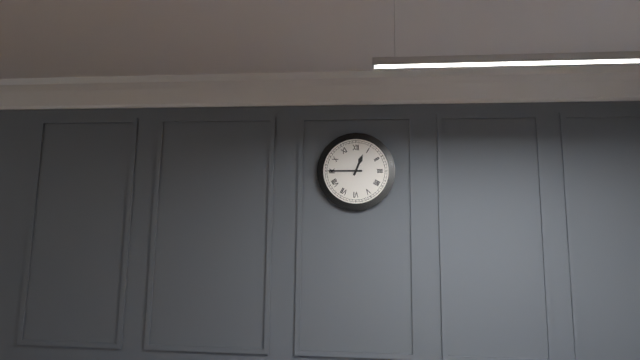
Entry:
h=12 m=45
